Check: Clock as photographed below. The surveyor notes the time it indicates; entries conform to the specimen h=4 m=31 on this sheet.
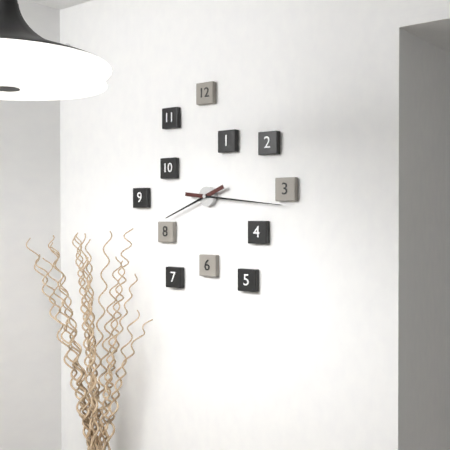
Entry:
h=8 m=16
